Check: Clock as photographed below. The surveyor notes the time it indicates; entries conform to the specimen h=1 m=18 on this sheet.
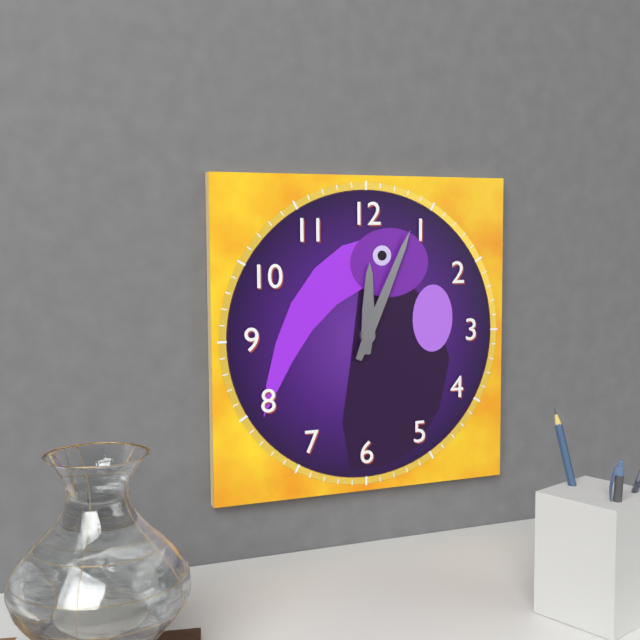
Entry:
h=12 m=4
